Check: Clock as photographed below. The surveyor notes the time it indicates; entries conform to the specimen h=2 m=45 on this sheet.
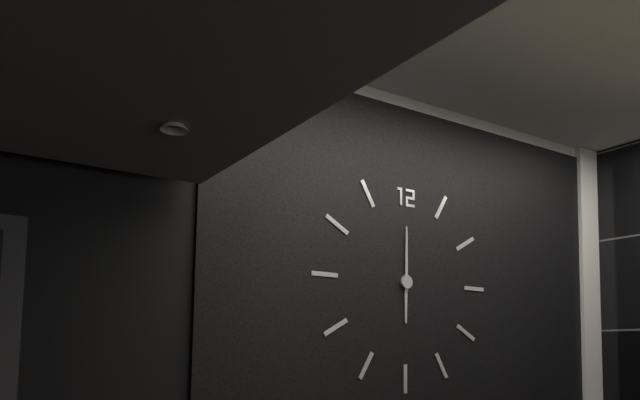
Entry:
h=6 m=0
